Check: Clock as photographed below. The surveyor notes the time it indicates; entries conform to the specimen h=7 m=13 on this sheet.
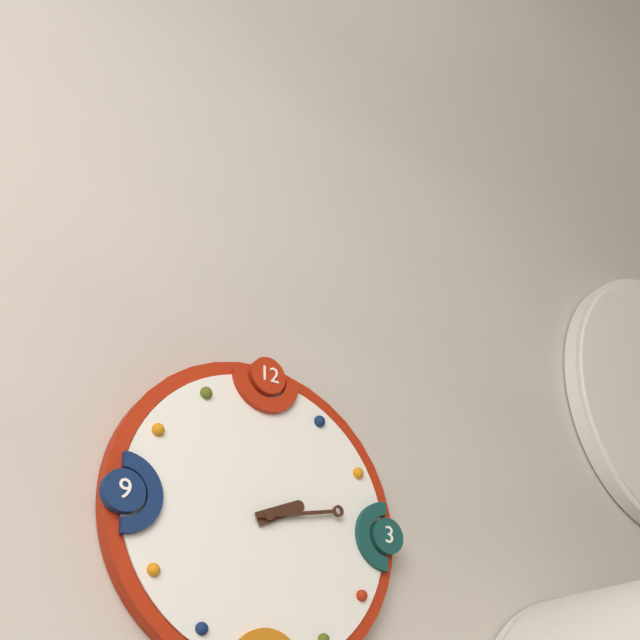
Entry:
h=2 m=13
